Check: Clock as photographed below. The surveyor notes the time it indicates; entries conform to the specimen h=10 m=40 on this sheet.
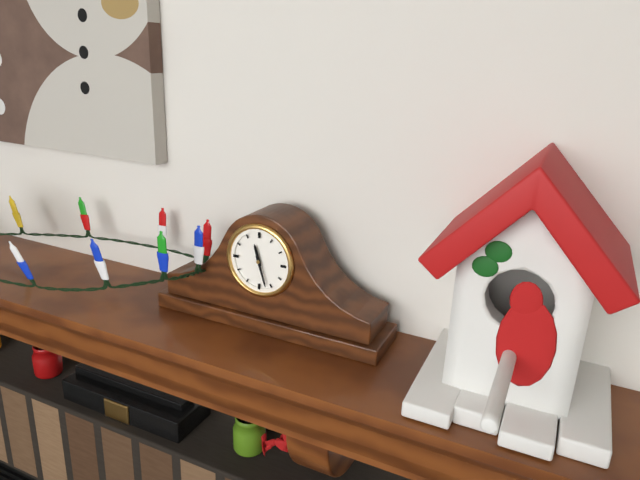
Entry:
h=11 m=27
